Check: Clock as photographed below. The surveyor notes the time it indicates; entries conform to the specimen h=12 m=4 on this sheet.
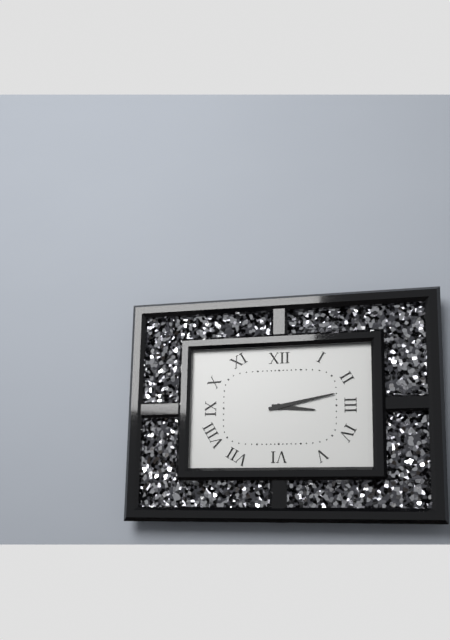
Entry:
h=3 m=13
